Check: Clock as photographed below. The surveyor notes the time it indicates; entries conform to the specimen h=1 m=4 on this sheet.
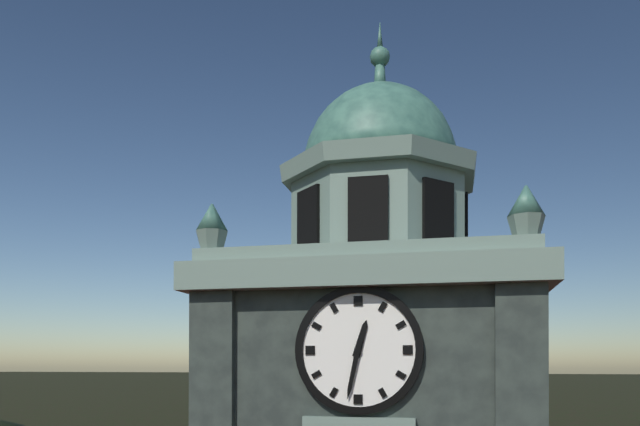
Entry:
h=12 m=32
